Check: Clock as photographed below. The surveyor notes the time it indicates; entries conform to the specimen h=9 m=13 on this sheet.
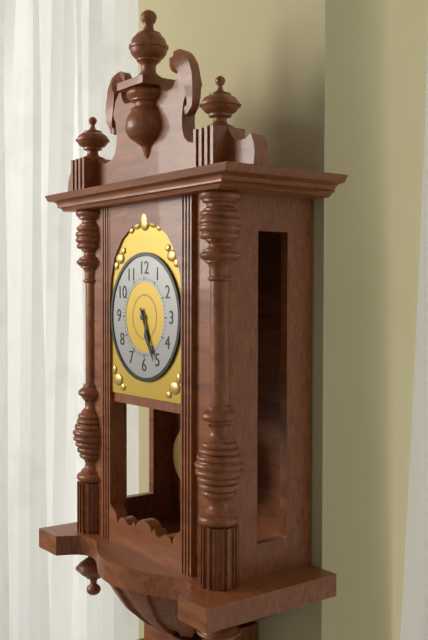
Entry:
h=5 m=26
